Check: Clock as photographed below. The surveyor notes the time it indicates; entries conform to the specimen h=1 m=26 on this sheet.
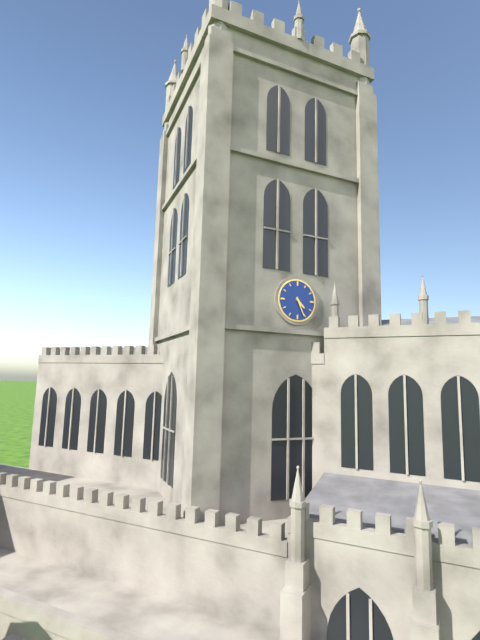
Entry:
h=4 m=26
